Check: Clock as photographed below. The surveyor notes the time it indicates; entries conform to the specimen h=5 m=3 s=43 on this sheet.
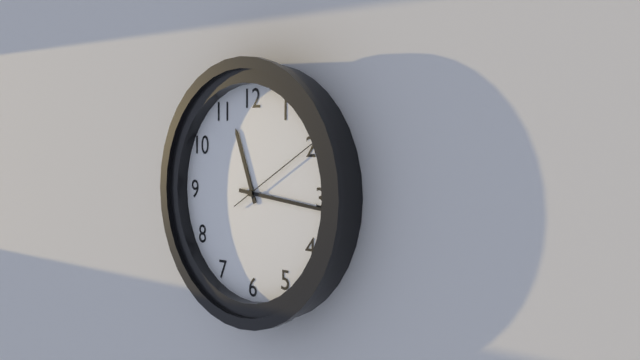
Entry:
h=11 m=16 s=10
